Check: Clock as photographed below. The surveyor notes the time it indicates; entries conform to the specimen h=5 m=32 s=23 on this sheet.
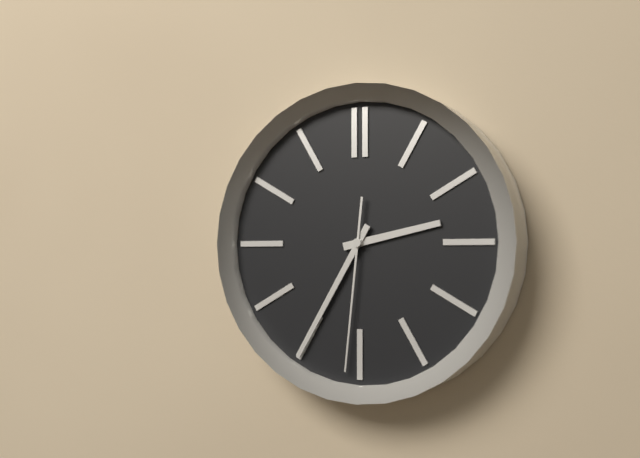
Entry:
h=2 m=35 s=31
